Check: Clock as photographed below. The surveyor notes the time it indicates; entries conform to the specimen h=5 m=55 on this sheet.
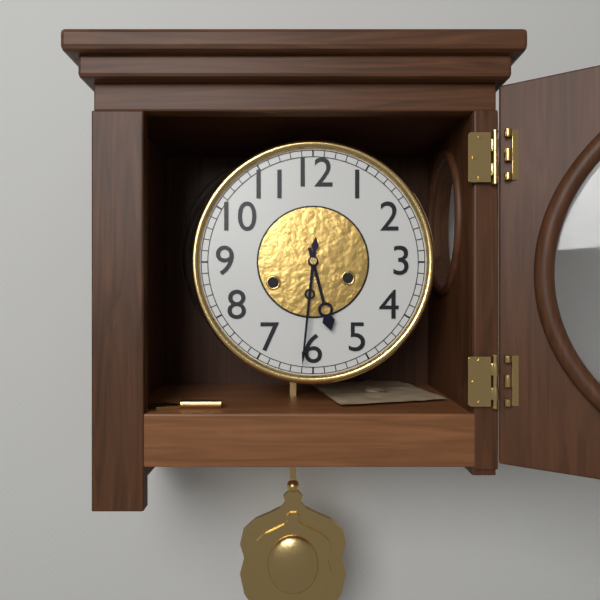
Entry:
h=5 m=31
